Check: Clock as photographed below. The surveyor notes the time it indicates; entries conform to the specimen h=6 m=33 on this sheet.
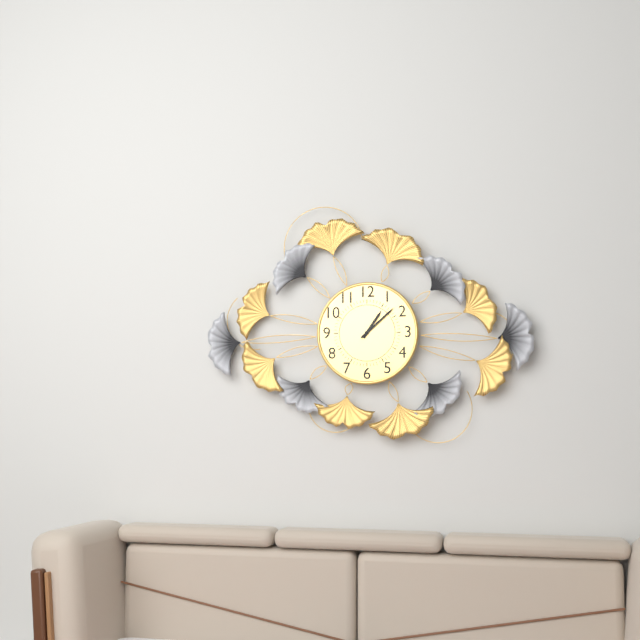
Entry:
h=1 m=8
